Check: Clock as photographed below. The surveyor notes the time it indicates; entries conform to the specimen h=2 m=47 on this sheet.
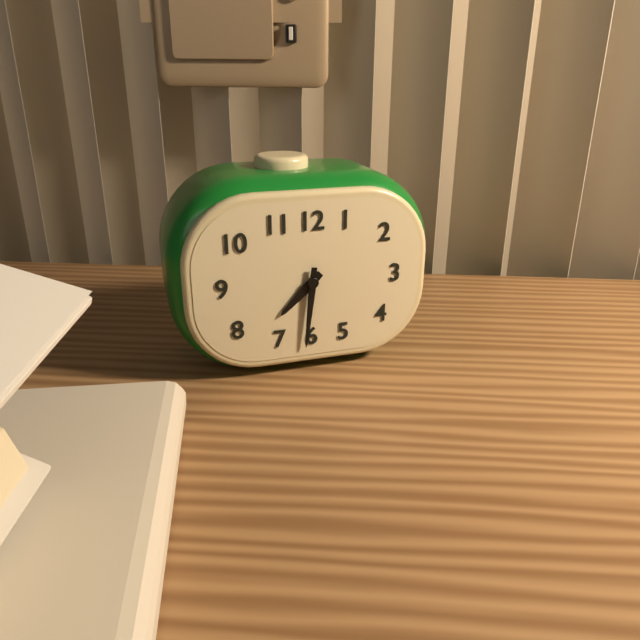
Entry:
h=7 m=31
